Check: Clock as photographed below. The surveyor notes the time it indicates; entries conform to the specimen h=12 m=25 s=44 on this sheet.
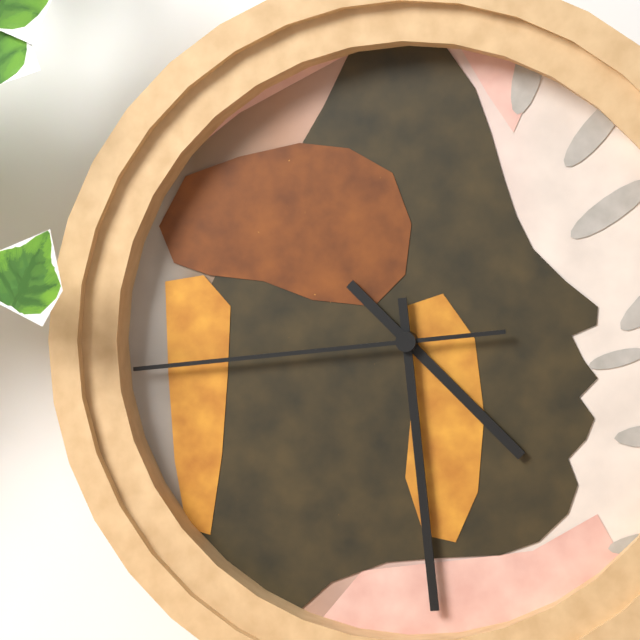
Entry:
h=4 m=29 s=44
